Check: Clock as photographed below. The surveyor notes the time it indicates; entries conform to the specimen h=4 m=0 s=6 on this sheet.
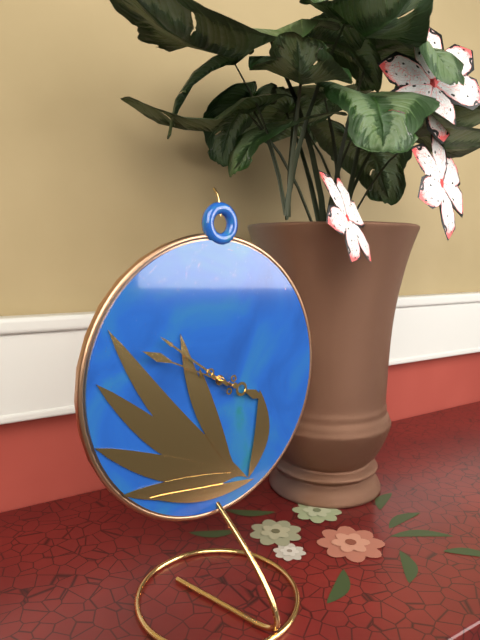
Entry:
h=3 m=51 s=49
